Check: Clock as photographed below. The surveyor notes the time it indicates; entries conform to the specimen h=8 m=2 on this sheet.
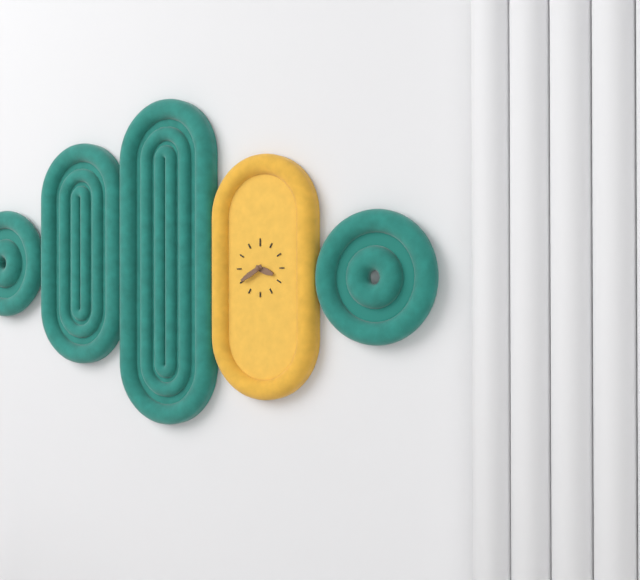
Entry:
h=3 m=40
